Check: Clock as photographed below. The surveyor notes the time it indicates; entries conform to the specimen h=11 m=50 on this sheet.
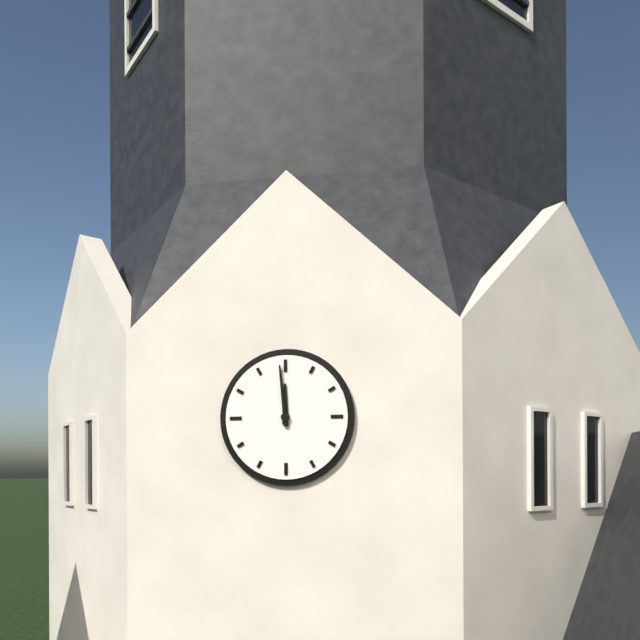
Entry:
h=11 m=59
